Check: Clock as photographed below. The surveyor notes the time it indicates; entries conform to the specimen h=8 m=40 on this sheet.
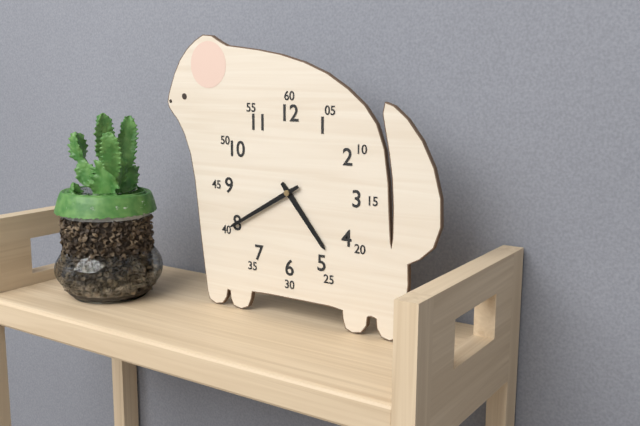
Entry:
h=4 m=40
